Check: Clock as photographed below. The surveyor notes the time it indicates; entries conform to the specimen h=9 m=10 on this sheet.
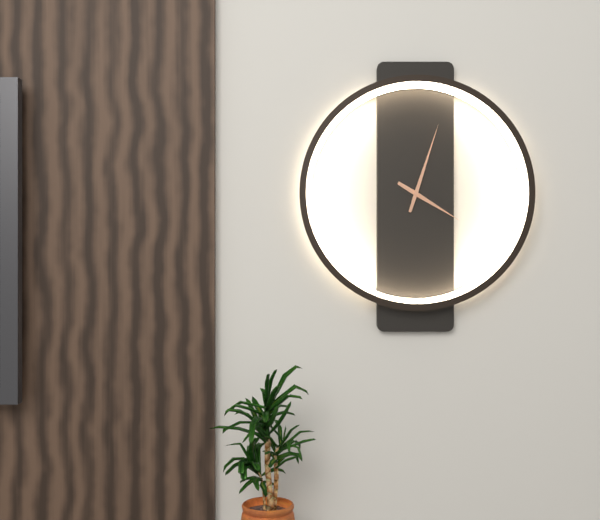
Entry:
h=4 m=3
